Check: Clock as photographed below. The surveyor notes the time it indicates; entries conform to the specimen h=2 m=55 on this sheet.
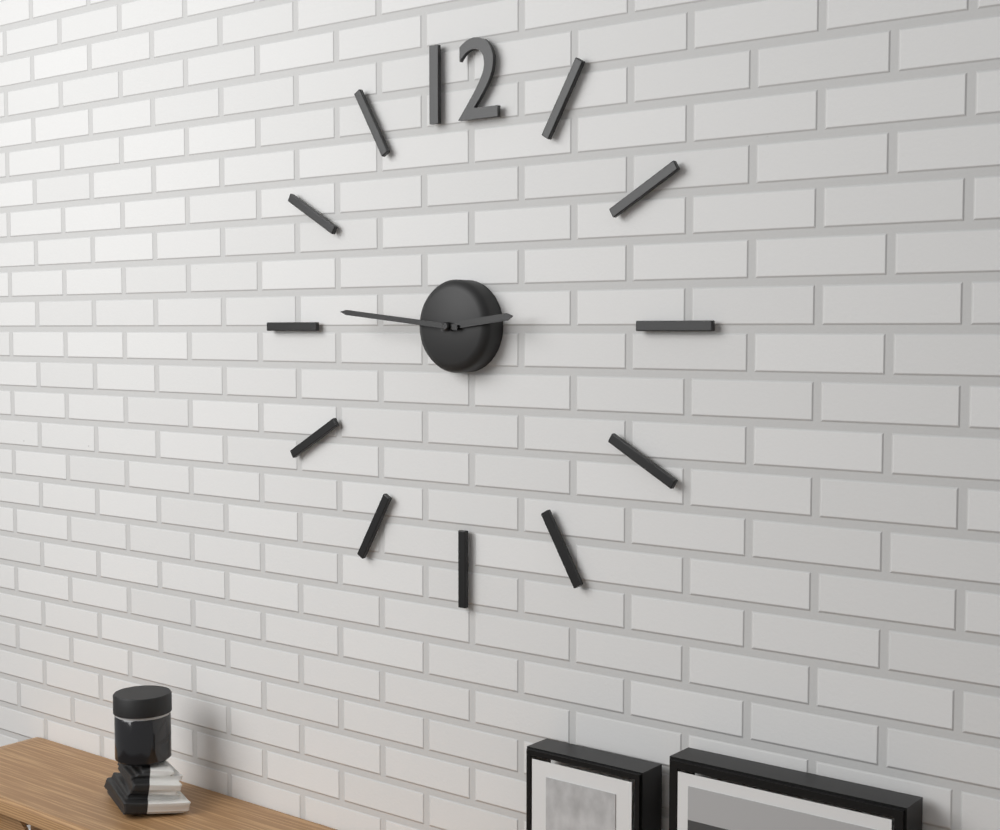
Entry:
h=2 m=46
